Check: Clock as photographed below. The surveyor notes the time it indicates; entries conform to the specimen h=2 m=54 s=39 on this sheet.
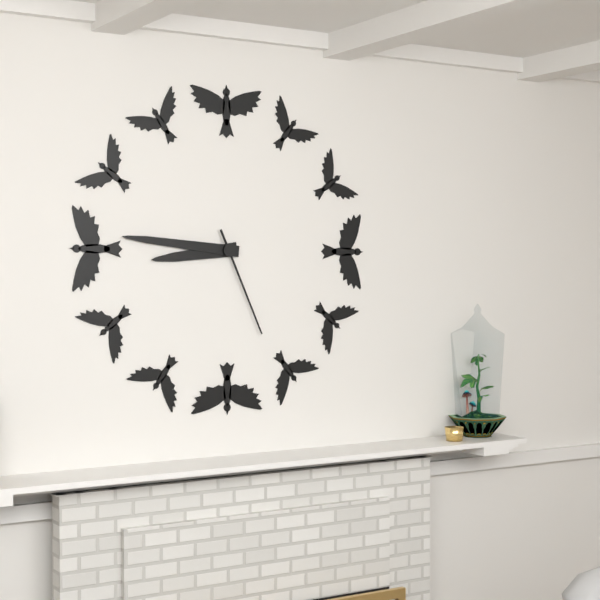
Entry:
h=8 m=46 s=26
